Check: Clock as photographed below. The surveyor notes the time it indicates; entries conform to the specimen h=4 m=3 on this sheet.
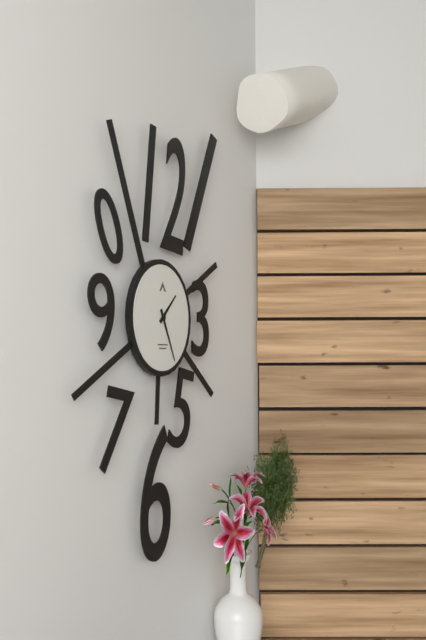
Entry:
h=1 m=26
